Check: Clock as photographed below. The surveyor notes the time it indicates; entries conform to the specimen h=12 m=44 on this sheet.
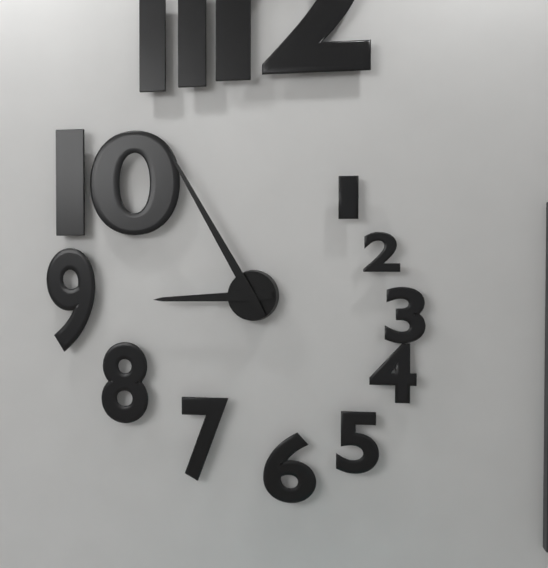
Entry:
h=8 m=55
